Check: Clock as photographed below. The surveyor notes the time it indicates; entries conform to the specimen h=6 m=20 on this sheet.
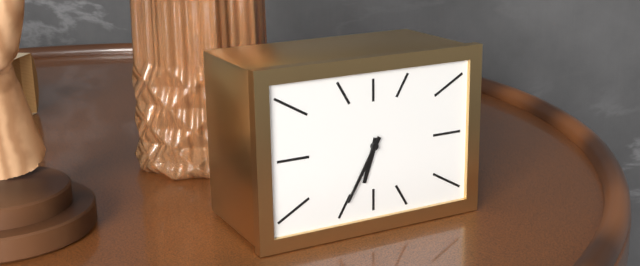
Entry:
h=6 m=35
